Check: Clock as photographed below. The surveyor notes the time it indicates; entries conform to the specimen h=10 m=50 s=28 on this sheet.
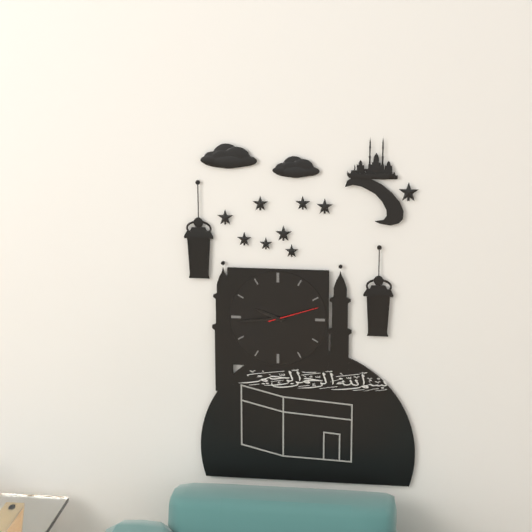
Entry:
h=9 m=44 s=12
